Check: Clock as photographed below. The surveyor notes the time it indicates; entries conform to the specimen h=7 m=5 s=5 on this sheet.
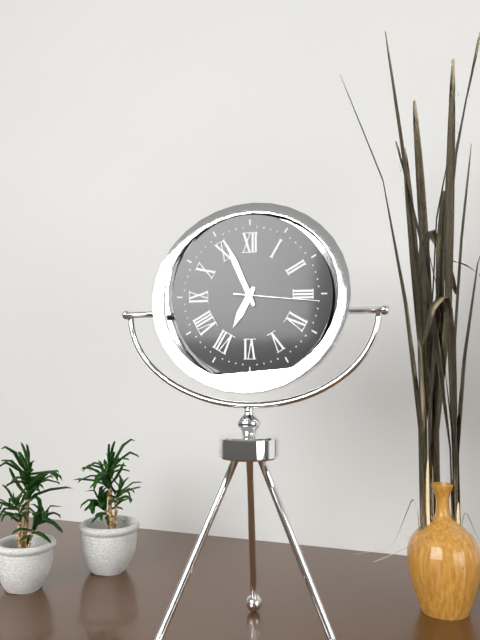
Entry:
h=6 m=56 s=16
